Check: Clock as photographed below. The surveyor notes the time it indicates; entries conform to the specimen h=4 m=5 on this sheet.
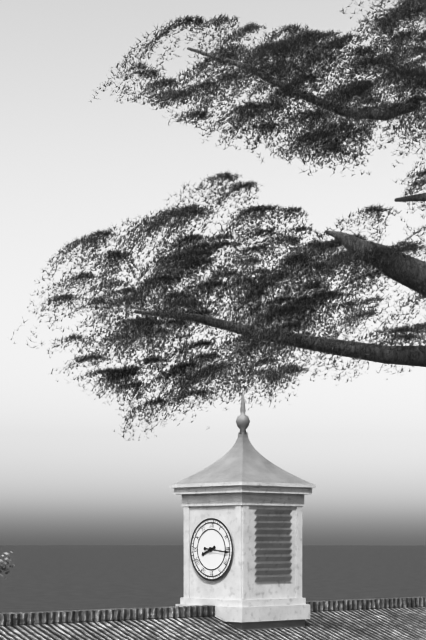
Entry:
h=8 m=16
